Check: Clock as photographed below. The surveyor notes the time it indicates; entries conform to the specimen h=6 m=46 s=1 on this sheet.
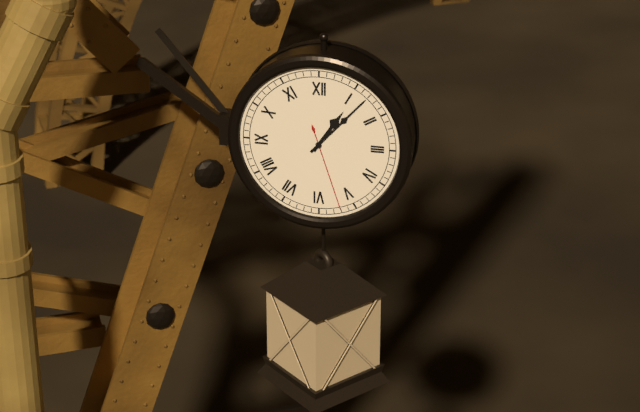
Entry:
h=1 m=7 s=27
